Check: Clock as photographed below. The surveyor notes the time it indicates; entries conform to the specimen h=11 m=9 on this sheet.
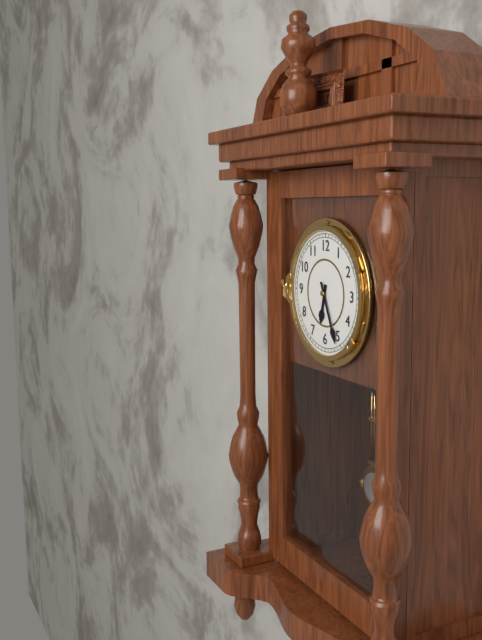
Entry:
h=6 m=26
